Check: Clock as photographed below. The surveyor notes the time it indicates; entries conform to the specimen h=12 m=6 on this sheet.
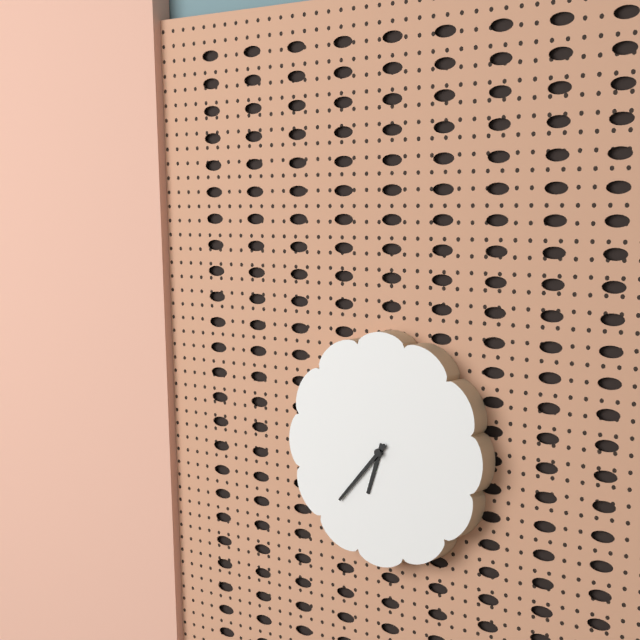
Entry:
h=6 m=37
